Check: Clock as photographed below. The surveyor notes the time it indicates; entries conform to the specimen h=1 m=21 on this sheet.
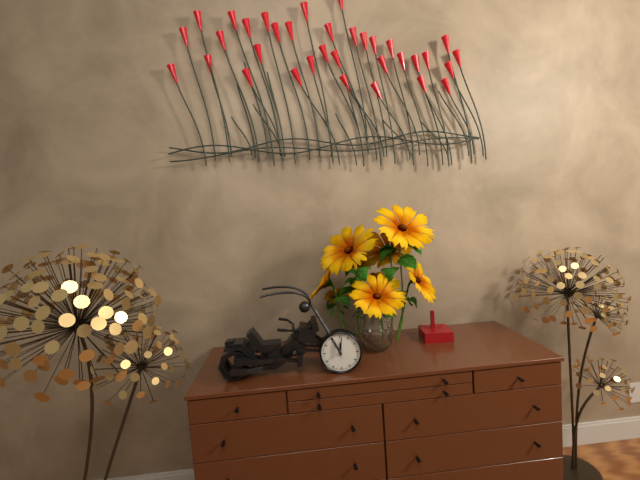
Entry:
h=12 m=1
